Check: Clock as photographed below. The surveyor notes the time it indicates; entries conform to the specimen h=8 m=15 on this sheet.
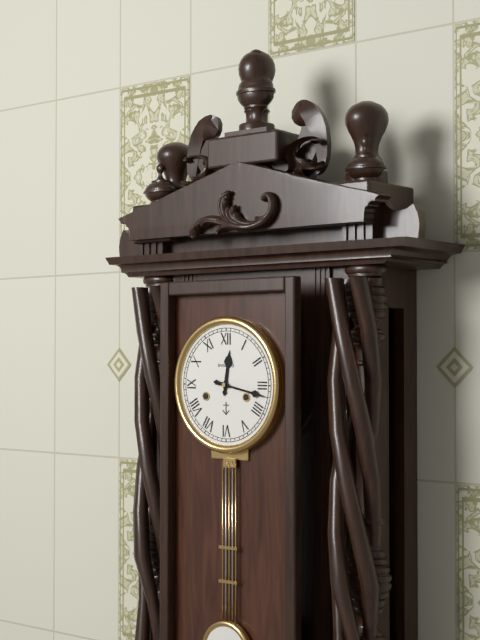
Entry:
h=12 m=17
